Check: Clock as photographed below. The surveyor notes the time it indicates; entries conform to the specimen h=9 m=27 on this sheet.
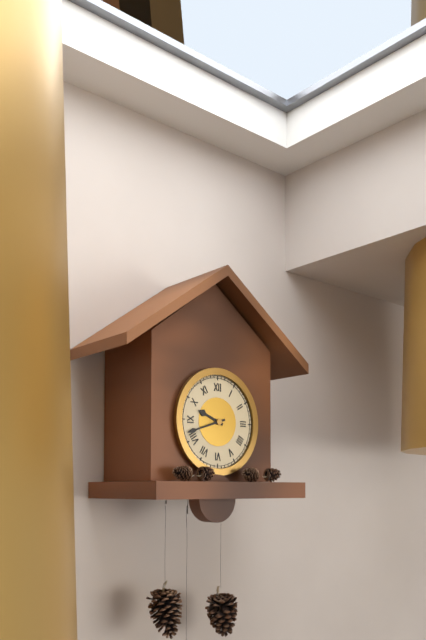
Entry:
h=9 m=42
